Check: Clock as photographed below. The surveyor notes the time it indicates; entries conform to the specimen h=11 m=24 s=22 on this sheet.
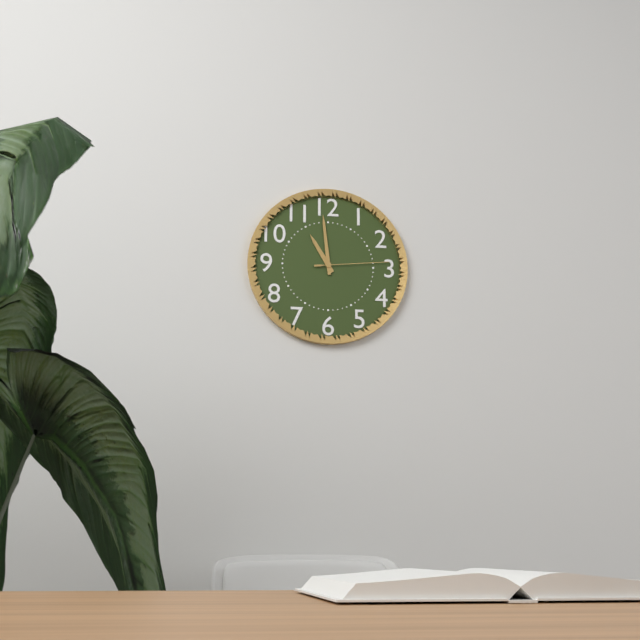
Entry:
h=10 m=59 s=14
